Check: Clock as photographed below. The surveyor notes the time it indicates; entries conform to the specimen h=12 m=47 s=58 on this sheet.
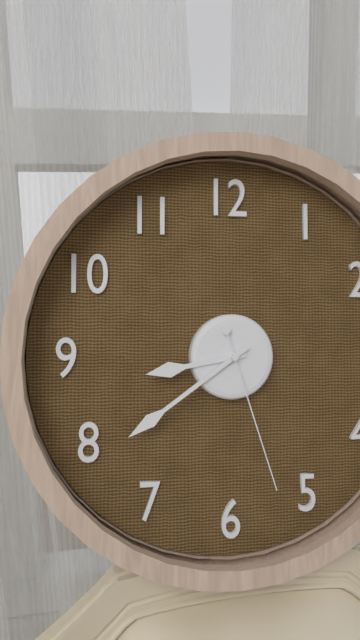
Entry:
h=8 m=39 s=27
